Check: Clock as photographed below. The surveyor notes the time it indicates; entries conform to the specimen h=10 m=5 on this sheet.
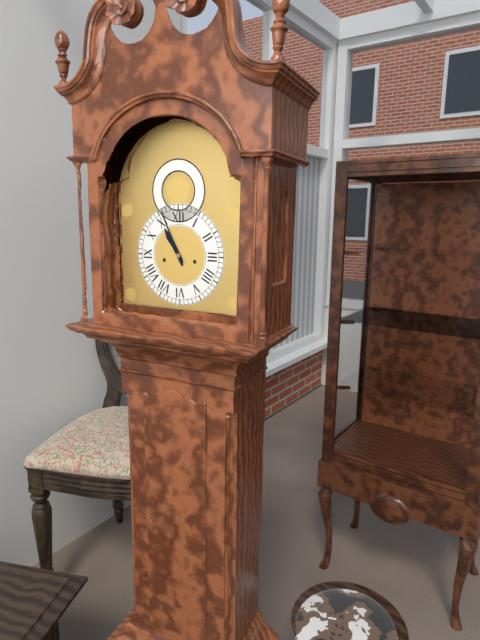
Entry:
h=10 m=56
